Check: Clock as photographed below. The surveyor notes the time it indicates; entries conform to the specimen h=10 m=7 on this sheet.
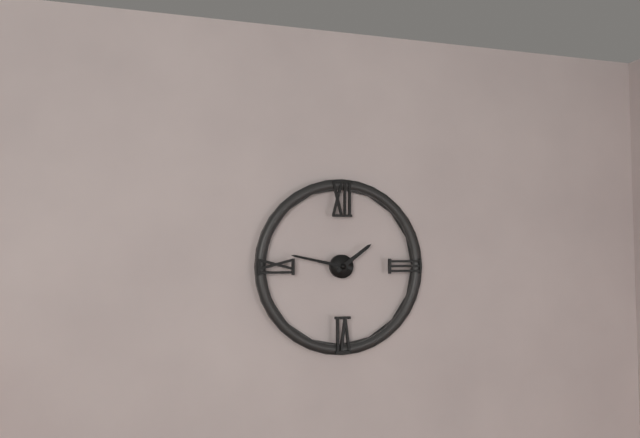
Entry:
h=1 m=47
